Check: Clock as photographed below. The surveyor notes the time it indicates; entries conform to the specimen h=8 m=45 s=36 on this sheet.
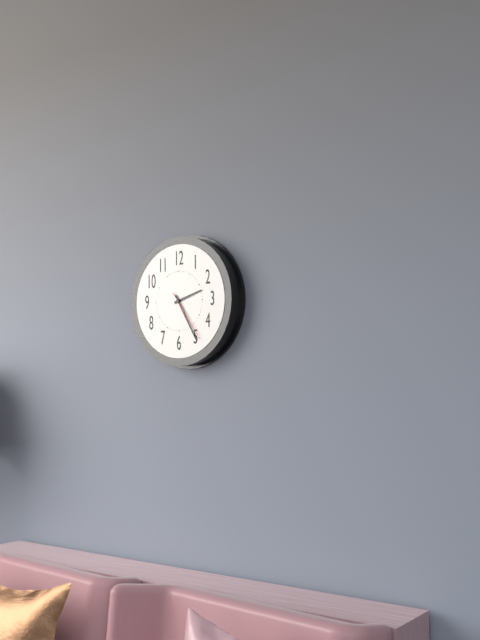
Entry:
h=2 m=25 s=24
